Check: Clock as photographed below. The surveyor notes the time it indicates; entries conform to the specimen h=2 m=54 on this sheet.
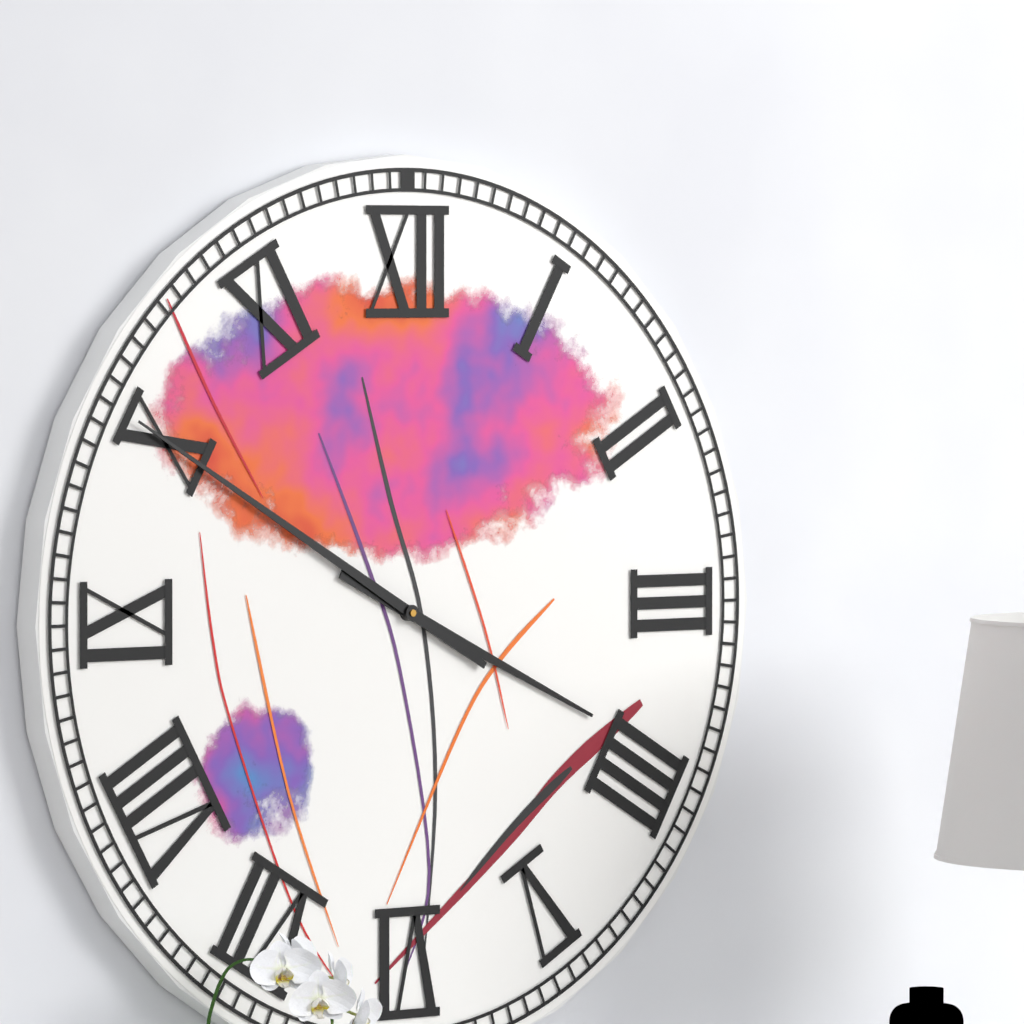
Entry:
h=3 m=50
